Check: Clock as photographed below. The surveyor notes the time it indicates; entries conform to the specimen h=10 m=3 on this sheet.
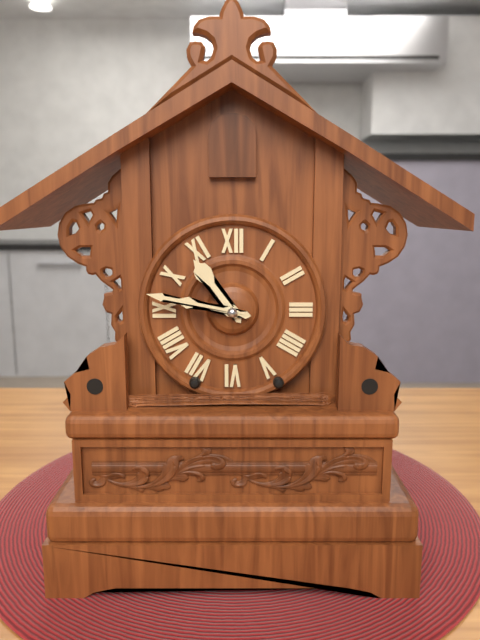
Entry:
h=10 m=47
